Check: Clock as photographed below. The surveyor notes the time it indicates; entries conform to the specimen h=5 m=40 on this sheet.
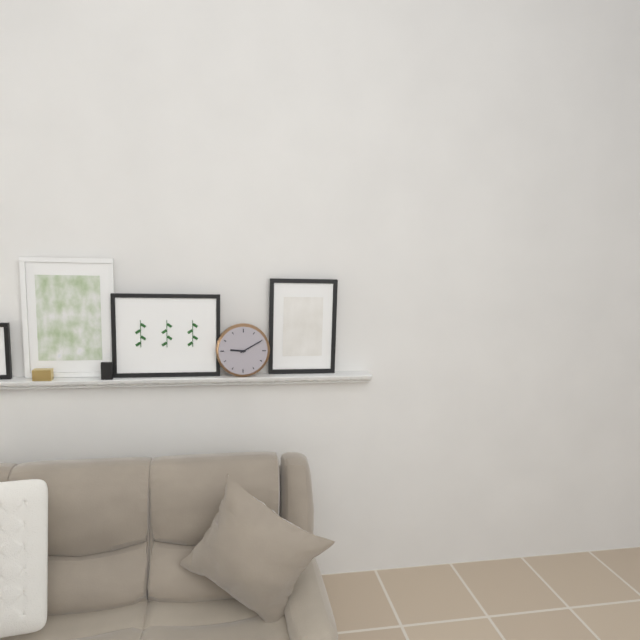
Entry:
h=9 m=10
